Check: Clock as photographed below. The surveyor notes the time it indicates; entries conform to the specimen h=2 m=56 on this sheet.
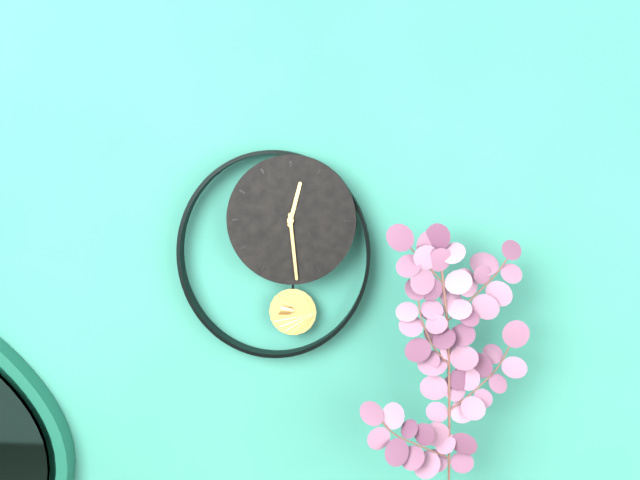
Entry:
h=12 m=29
